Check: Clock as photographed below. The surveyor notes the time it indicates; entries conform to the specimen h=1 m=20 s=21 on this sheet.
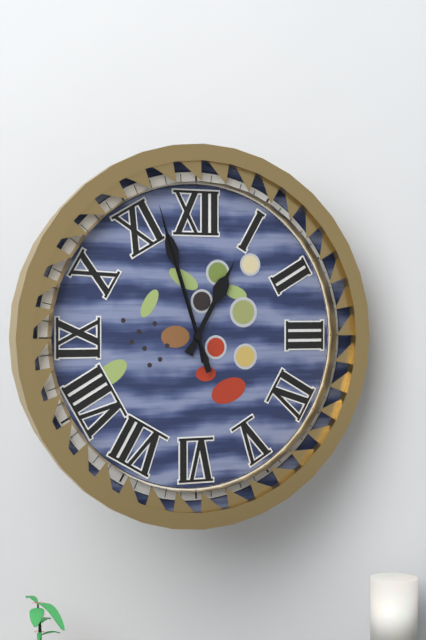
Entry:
h=12 m=57 s=57
